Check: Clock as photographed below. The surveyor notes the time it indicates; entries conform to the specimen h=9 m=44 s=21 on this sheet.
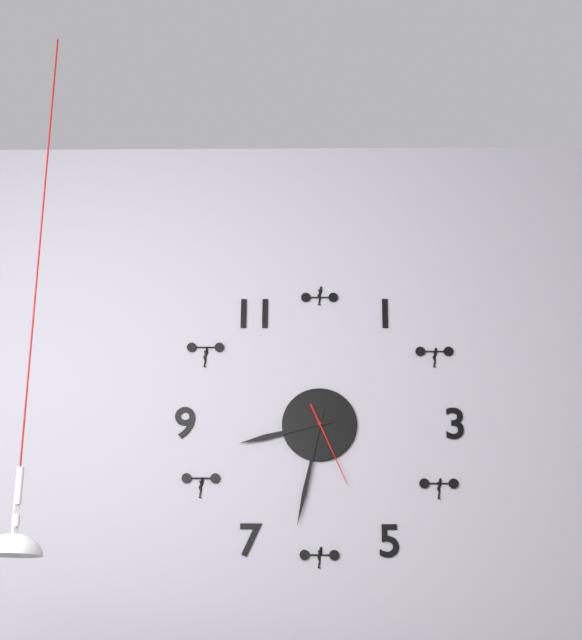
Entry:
h=8 m=32 s=26
